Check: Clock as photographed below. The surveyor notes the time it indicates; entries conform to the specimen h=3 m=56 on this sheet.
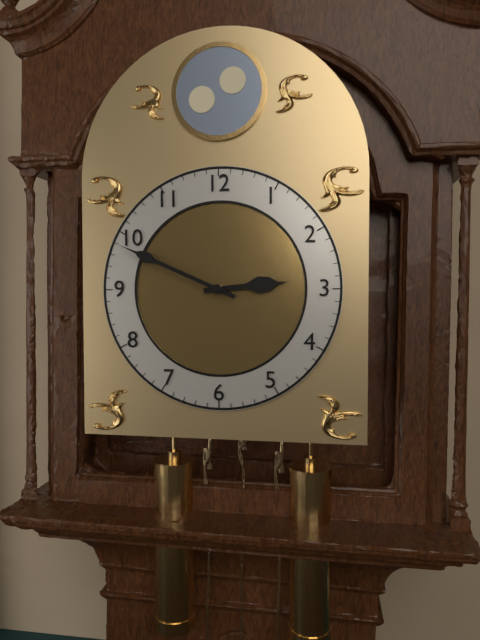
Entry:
h=2 m=49
